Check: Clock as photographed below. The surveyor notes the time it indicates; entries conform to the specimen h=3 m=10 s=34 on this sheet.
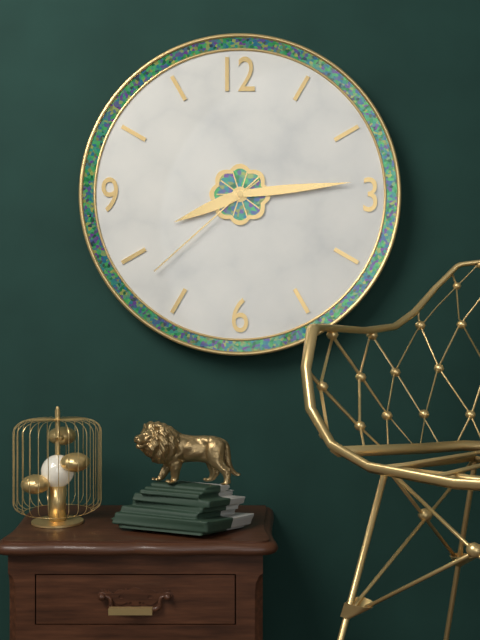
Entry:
h=8 m=14 s=38
